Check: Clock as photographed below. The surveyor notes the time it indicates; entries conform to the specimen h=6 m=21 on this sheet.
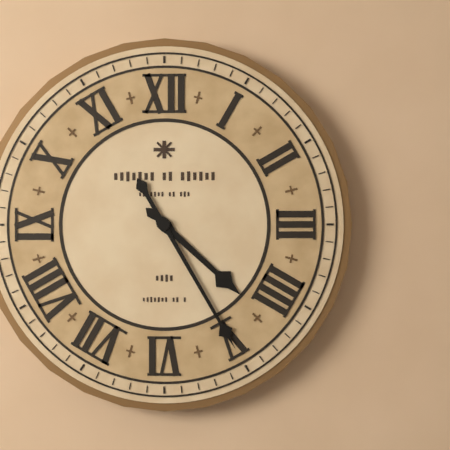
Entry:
h=4 m=25
